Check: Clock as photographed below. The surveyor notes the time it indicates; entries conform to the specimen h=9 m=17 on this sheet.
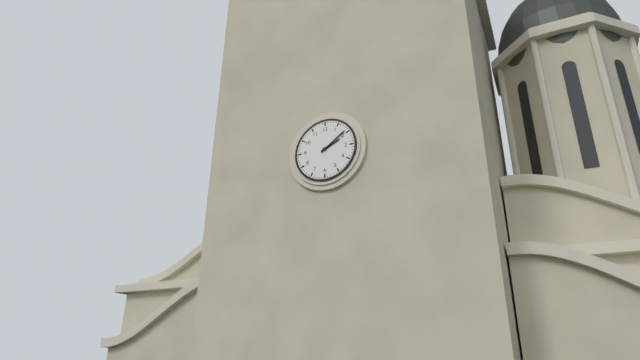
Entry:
h=2 m=9
